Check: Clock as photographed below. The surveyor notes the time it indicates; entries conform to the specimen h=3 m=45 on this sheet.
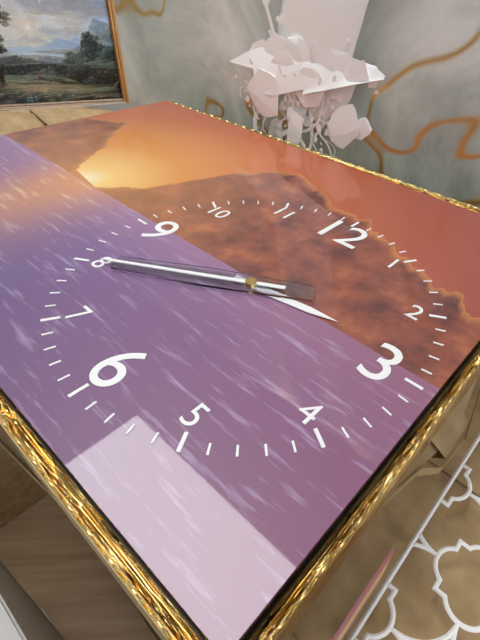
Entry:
h=2 m=40
